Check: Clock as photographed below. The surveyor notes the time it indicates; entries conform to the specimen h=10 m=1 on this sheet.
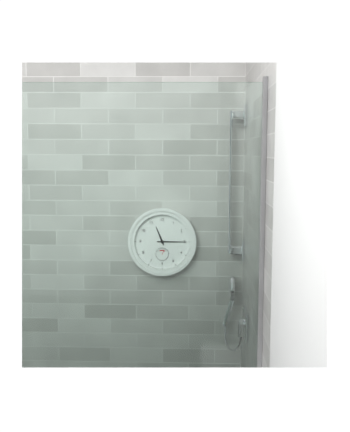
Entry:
h=11 m=15
